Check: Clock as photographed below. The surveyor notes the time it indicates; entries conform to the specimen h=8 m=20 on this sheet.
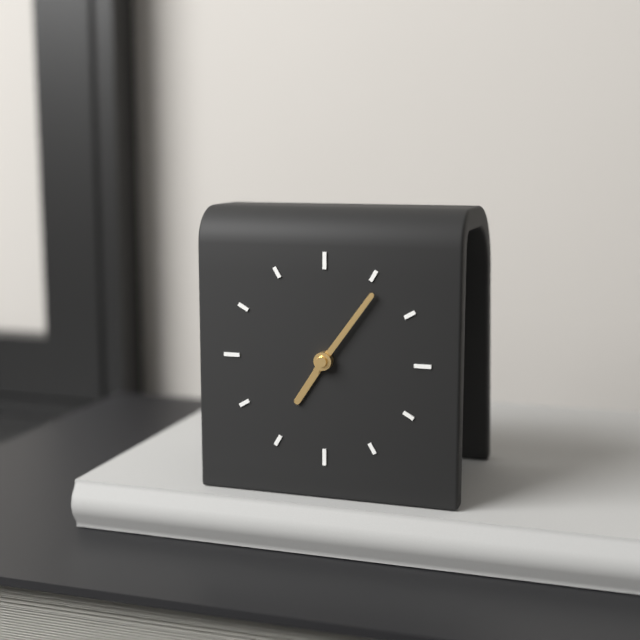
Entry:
h=7 m=6
